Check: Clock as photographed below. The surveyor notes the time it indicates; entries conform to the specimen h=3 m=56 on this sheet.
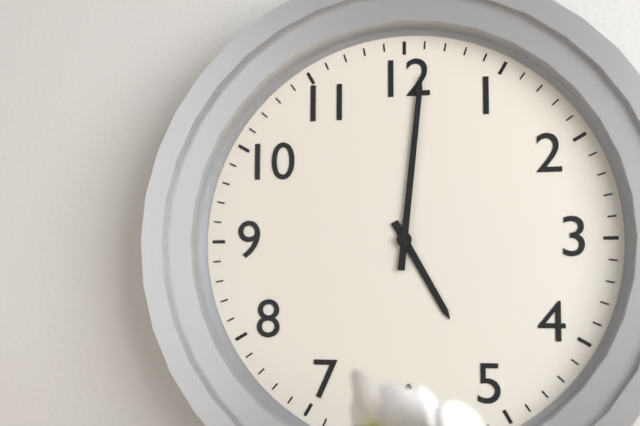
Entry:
h=5 m=1
